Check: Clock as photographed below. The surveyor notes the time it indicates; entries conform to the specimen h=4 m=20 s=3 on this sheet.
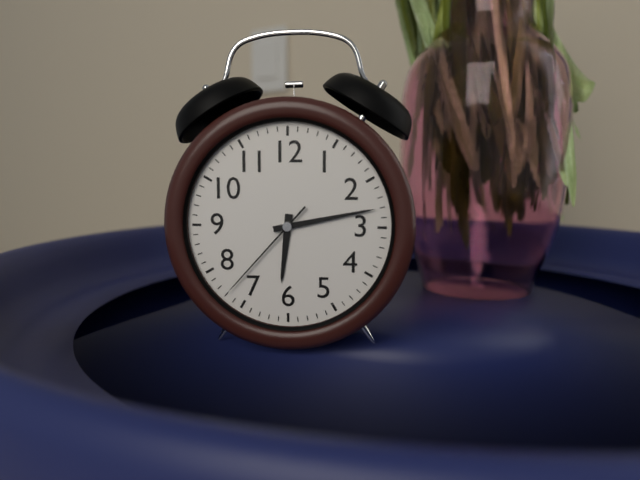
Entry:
h=6 m=13 s=37
